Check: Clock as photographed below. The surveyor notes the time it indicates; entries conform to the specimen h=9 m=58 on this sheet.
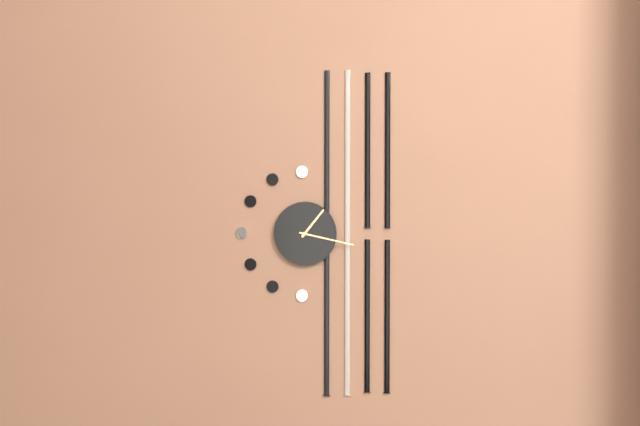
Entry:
h=1 m=17
